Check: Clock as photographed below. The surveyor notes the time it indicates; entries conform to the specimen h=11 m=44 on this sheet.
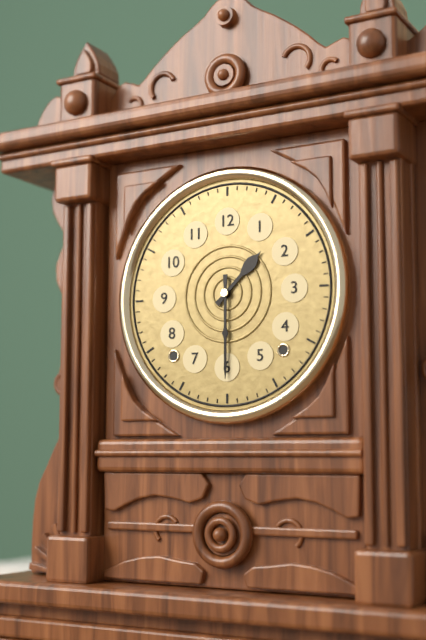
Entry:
h=1 m=30
